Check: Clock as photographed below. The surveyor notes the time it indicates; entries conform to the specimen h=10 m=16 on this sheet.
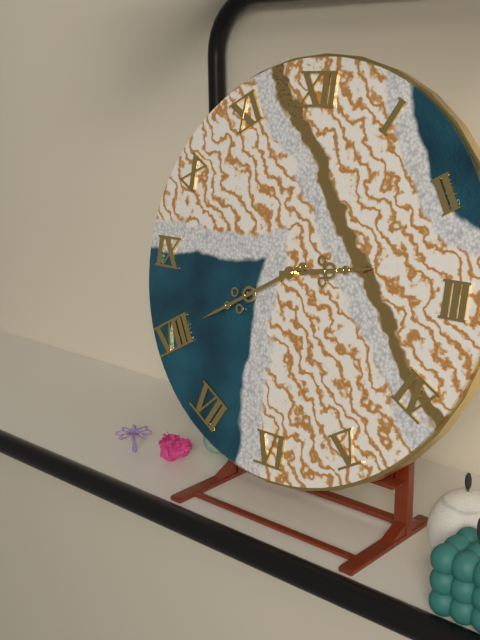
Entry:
h=2 m=40
